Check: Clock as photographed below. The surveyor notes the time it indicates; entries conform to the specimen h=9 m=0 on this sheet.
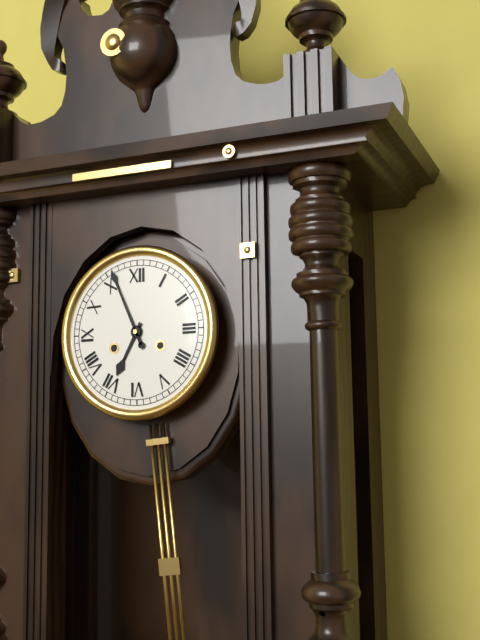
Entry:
h=6 m=56
